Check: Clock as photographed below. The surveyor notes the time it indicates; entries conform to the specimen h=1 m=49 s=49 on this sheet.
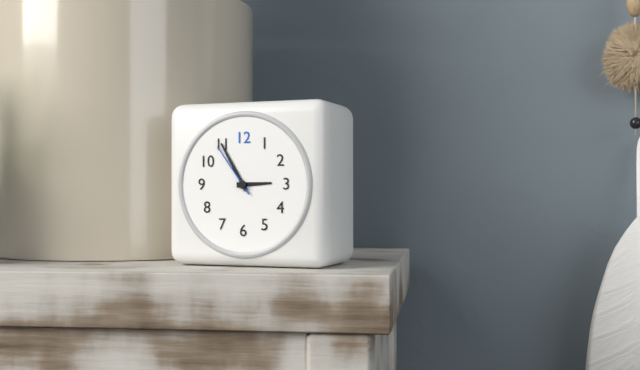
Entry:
h=2 m=55 s=54
